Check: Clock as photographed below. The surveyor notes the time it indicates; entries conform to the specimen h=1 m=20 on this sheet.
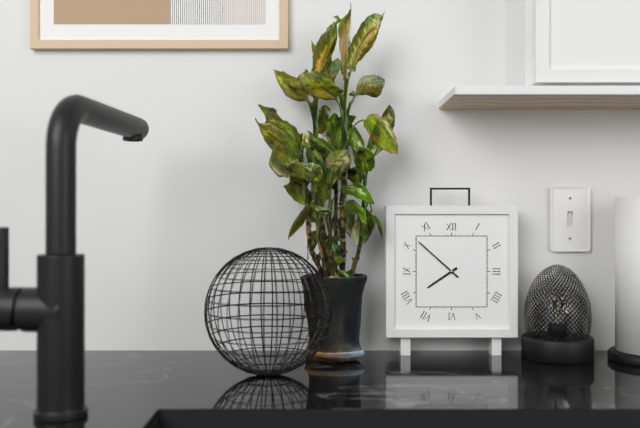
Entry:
h=7 m=52
